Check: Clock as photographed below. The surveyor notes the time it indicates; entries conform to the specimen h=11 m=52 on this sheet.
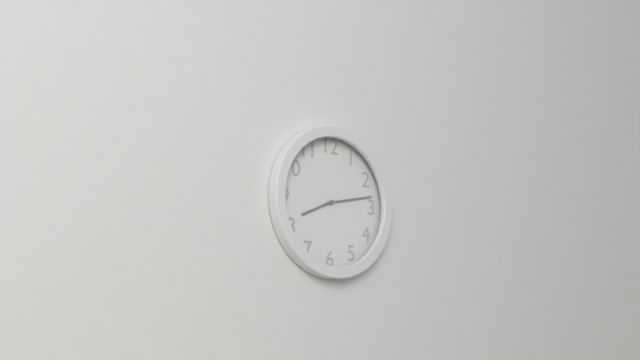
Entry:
h=8 m=13
